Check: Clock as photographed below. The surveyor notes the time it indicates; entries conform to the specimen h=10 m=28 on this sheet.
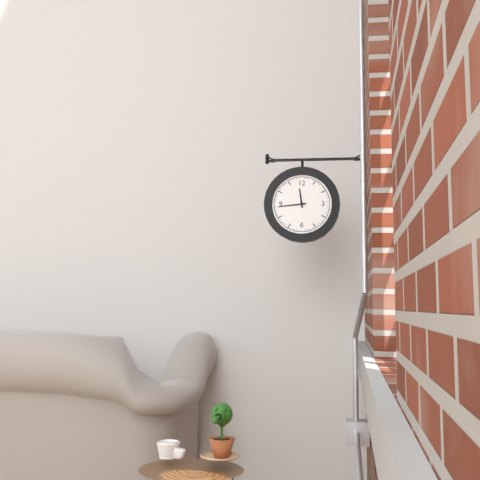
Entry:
h=11 m=44
